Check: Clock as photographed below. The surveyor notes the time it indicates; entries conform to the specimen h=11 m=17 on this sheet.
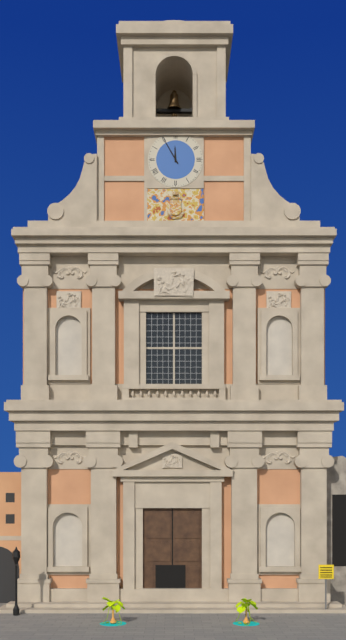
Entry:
h=11 m=55
